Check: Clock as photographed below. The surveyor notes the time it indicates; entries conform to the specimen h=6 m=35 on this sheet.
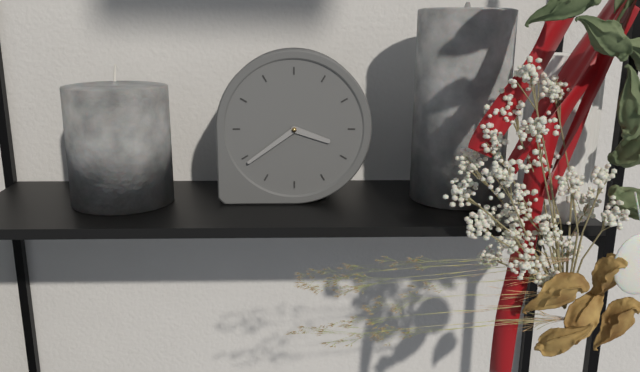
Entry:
h=3 m=39
